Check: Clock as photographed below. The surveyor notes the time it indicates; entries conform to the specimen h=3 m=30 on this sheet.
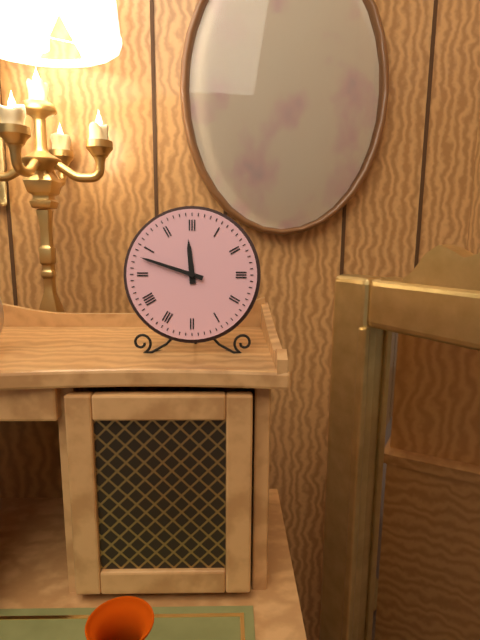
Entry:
h=11 m=48
